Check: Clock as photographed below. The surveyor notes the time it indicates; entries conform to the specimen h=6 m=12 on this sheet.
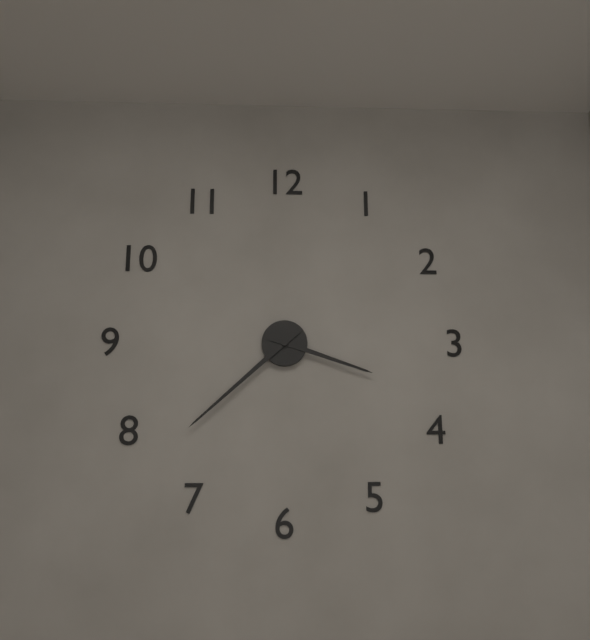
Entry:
h=3 m=38
